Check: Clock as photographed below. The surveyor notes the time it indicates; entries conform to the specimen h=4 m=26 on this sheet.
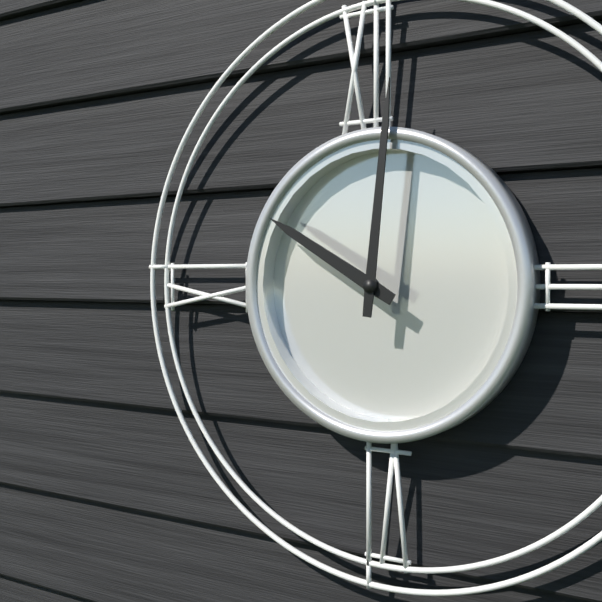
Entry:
h=10 m=1
